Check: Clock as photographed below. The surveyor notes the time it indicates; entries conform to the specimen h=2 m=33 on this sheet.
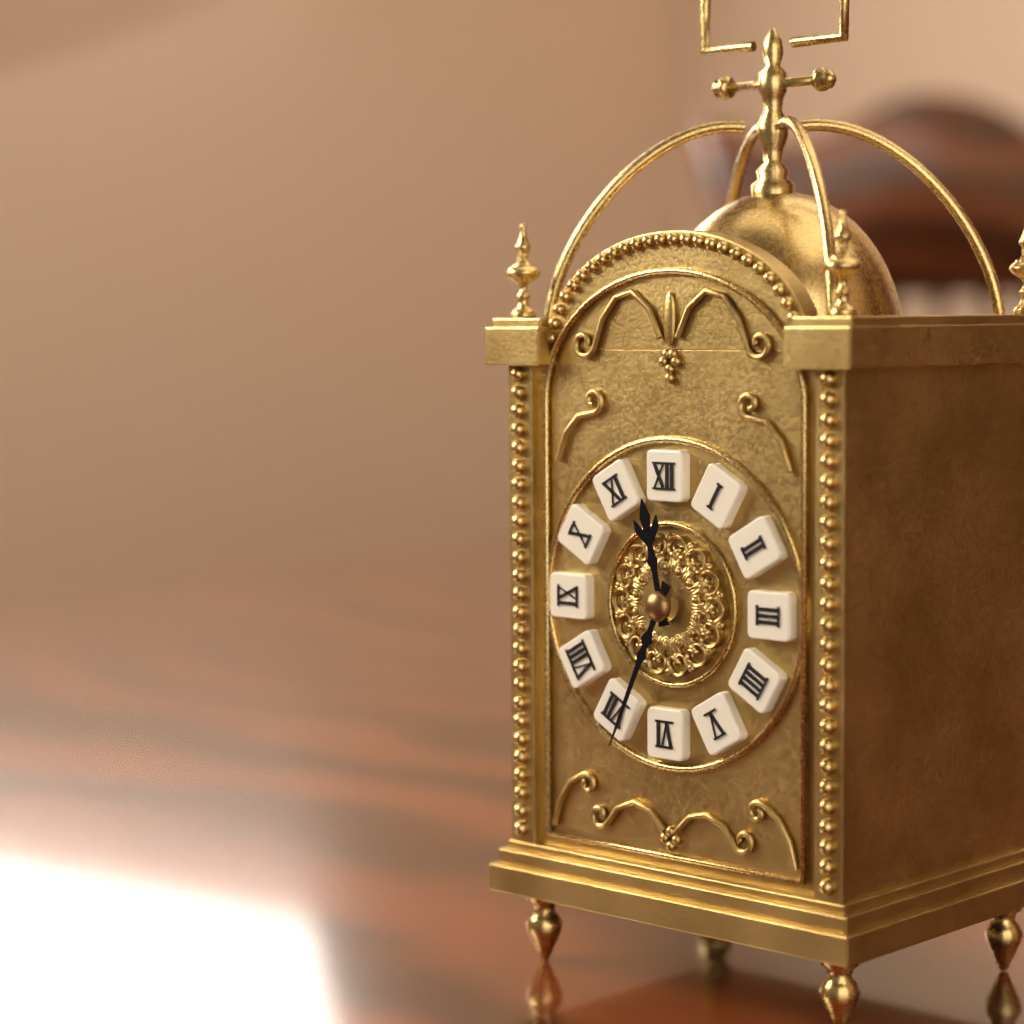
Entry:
h=11 m=34
